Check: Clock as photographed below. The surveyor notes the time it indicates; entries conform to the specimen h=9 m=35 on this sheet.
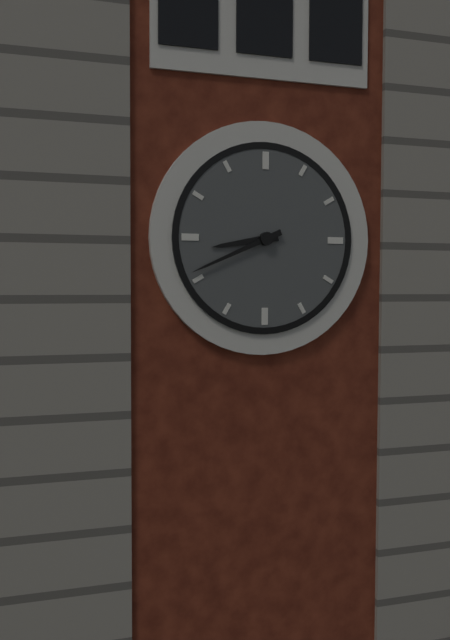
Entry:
h=8 m=41
